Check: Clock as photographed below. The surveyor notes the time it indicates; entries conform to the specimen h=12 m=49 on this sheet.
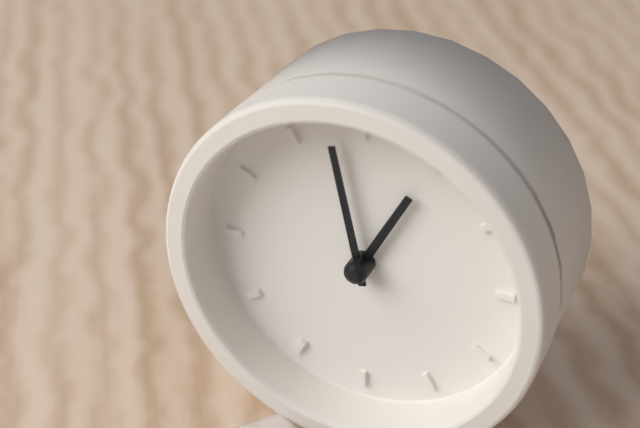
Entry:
h=12 m=58
